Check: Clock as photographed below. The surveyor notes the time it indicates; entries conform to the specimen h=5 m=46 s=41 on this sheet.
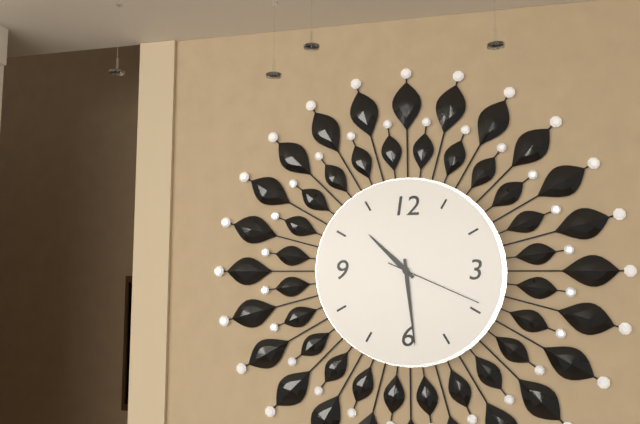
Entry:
h=10 m=29 s=19
